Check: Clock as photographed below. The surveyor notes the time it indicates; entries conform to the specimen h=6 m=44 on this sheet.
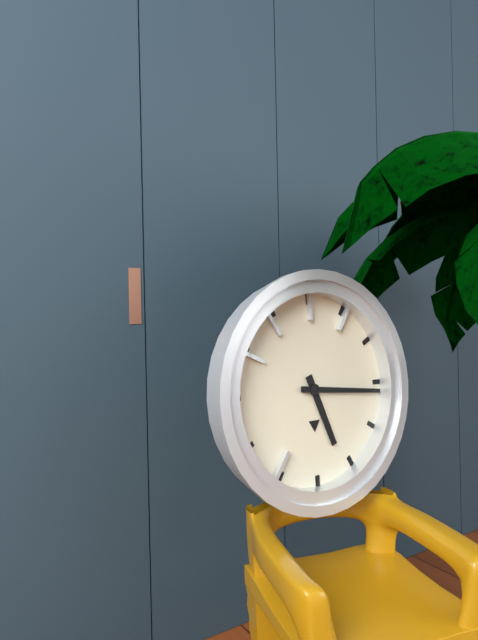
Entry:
h=5 m=16
